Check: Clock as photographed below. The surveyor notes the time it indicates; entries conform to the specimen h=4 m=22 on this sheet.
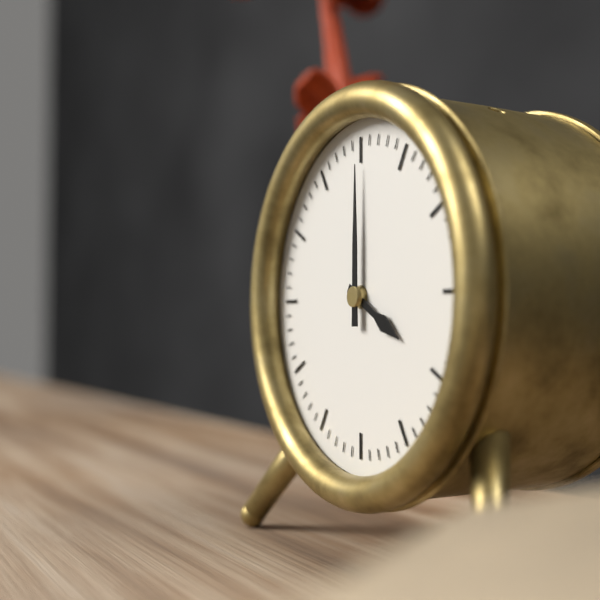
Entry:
h=4 m=0
